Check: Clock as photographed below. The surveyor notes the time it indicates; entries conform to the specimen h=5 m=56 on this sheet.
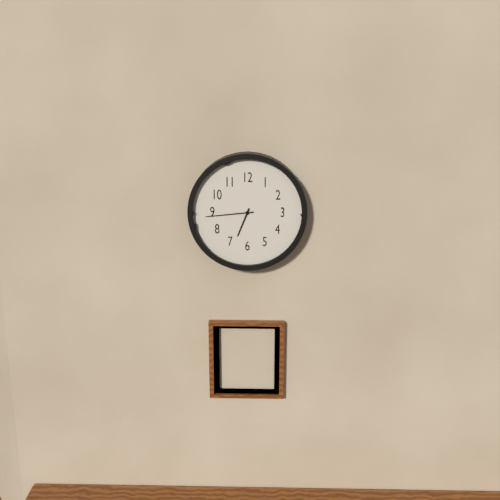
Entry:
h=6 m=44
